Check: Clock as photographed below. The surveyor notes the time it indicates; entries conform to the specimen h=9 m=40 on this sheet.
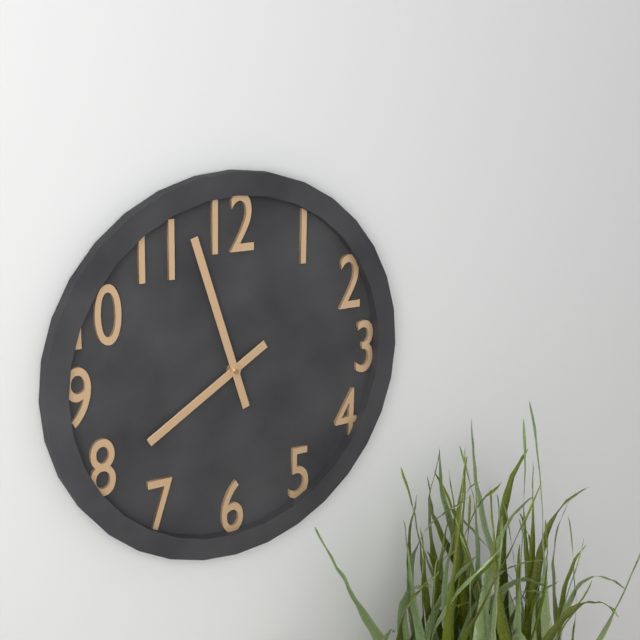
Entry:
h=7 m=57
